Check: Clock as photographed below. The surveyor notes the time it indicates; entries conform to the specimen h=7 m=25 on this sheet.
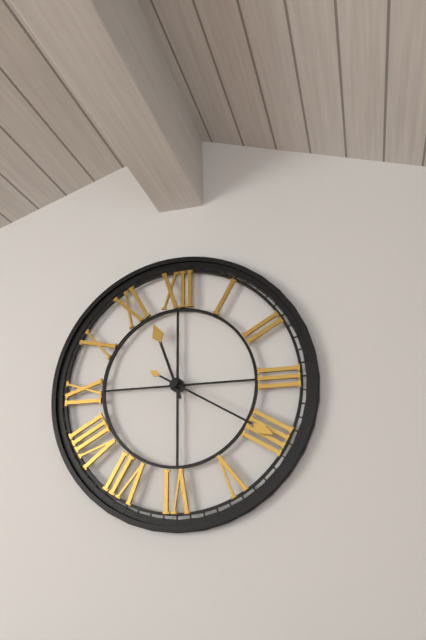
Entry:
h=11 m=20
